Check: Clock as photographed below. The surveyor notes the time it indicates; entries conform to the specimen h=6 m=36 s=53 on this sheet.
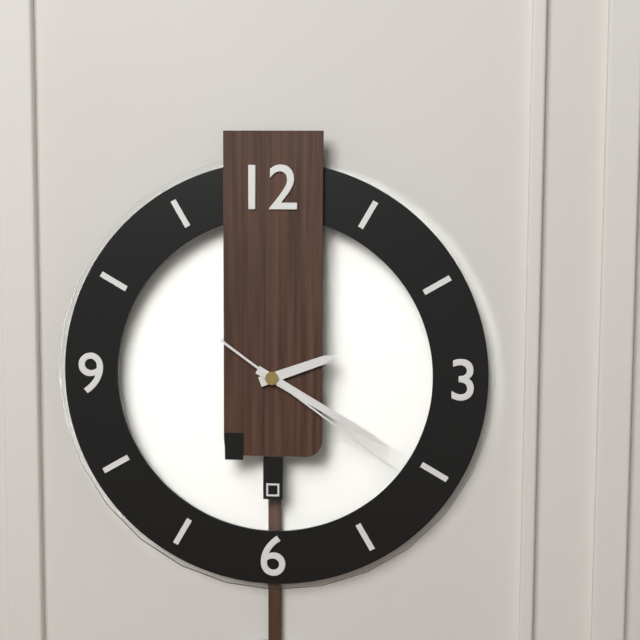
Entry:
h=2 m=20 s=21
